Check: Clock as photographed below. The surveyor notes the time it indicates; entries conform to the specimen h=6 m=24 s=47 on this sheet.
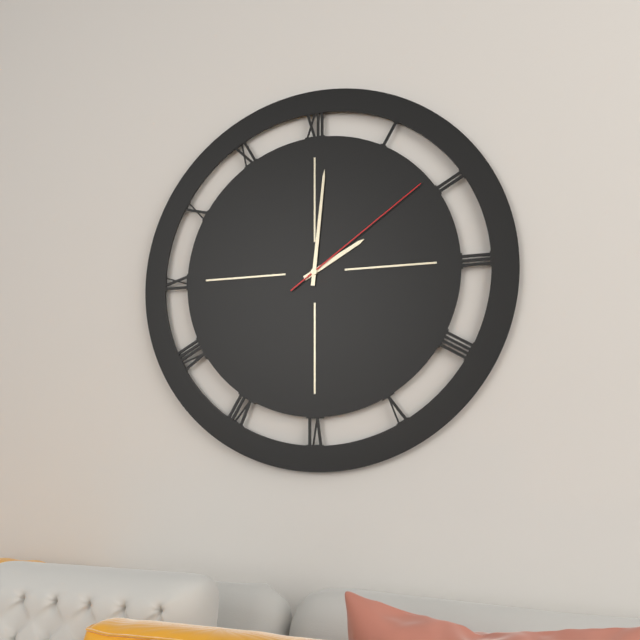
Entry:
h=2 m=1 s=9
